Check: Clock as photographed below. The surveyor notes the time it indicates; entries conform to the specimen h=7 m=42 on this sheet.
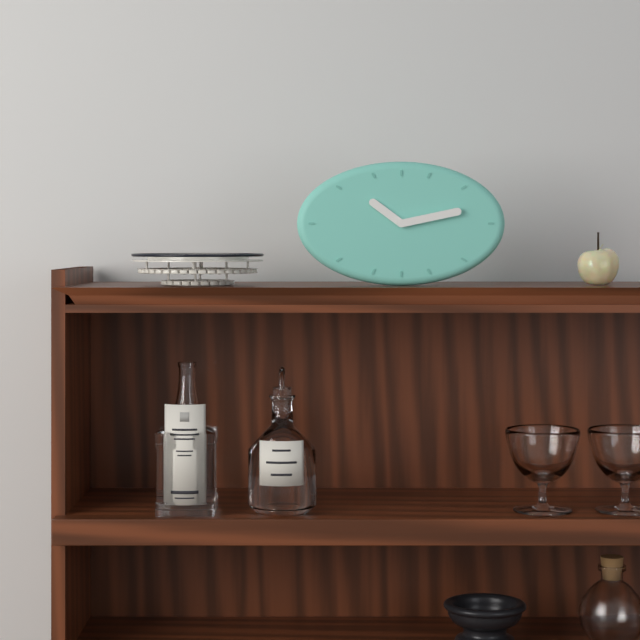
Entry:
h=10 m=13
